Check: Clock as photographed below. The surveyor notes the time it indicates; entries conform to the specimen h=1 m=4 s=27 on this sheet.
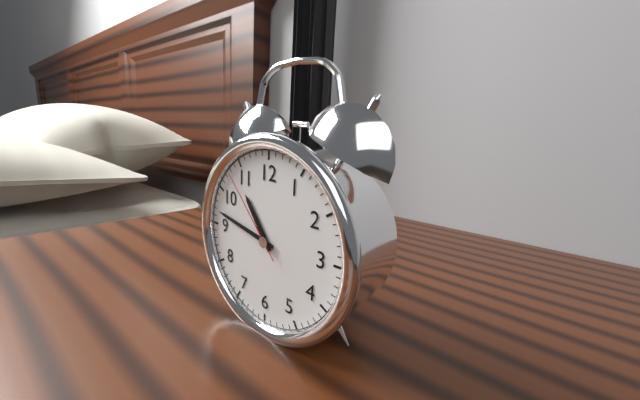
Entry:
h=10 m=47 s=53
